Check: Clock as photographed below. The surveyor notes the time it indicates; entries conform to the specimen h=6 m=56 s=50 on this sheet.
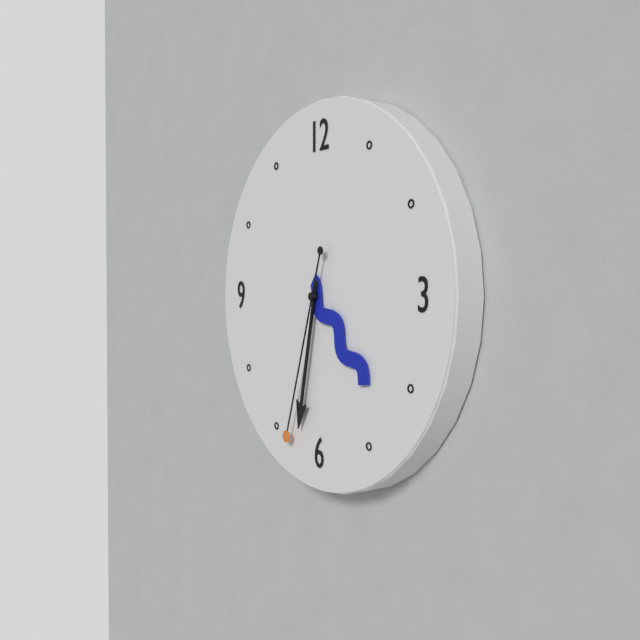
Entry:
h=4 m=32 s=33
